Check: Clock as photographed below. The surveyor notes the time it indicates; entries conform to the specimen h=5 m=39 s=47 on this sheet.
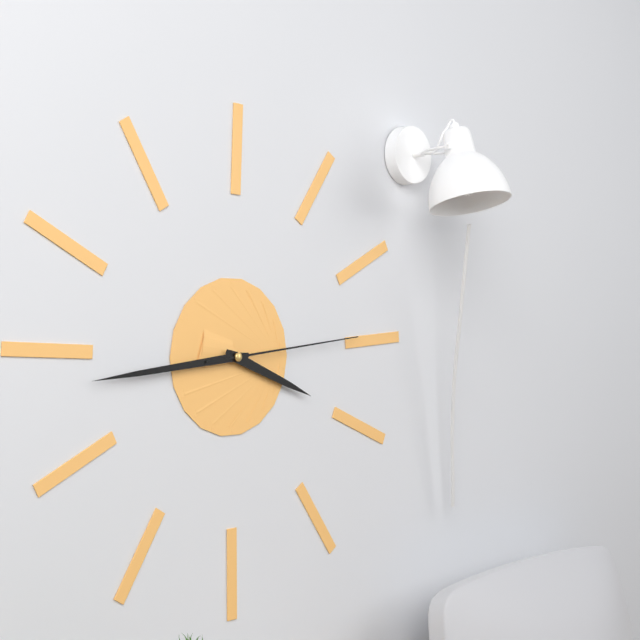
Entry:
h=3 m=44 s=14
